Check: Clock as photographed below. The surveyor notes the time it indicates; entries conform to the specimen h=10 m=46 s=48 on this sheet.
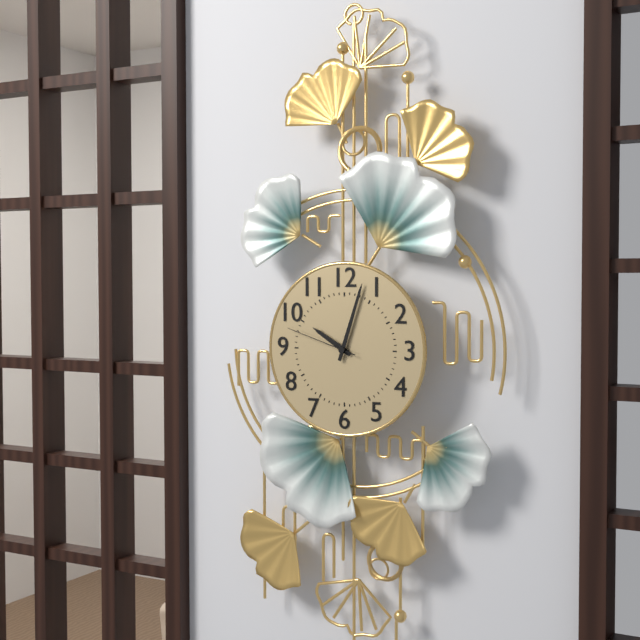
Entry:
h=10 m=3 s=48
